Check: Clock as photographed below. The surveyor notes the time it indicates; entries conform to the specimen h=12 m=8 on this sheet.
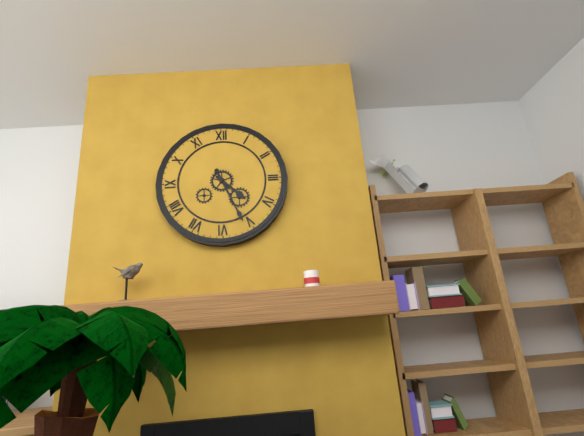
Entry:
h=4 m=26
